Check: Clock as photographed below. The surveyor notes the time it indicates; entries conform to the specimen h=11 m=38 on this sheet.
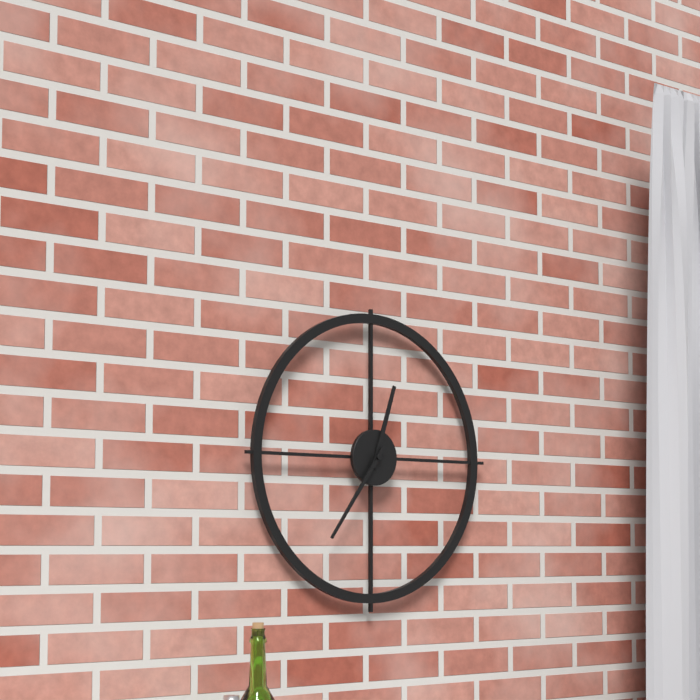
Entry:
h=12 m=36
